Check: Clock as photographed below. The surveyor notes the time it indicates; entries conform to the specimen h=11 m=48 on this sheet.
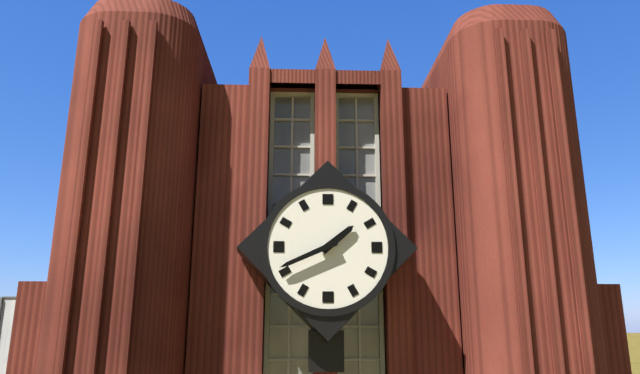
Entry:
h=1 m=41
